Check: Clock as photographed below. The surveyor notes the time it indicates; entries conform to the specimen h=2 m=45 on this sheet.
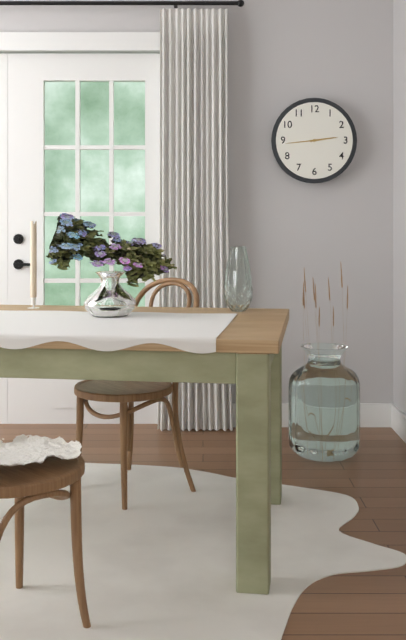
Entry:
h=2 m=44
